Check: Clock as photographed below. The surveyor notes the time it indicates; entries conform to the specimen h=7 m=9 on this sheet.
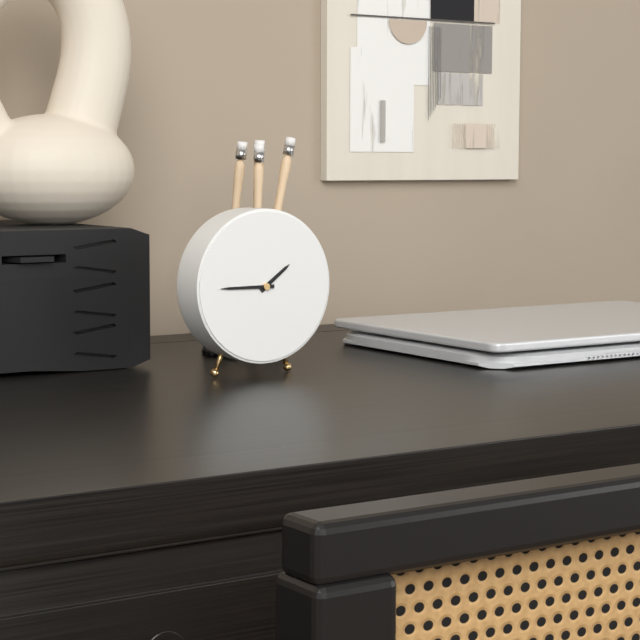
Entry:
h=1 m=45
